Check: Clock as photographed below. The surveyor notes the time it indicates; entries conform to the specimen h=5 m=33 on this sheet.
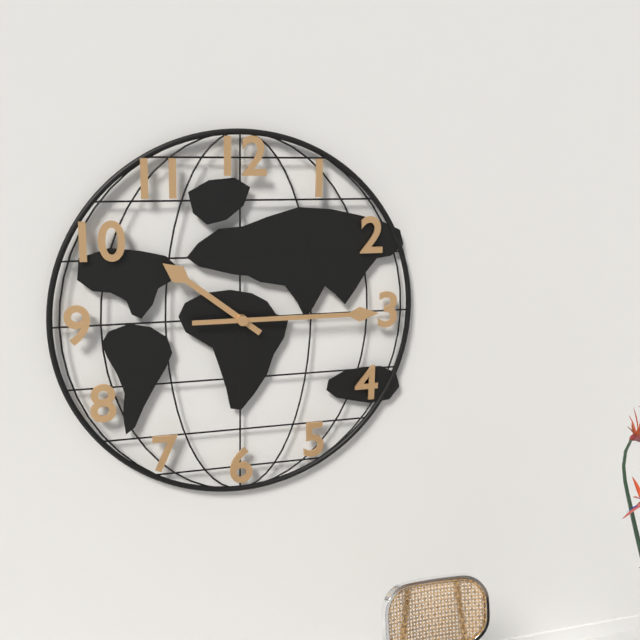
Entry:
h=10 m=15
